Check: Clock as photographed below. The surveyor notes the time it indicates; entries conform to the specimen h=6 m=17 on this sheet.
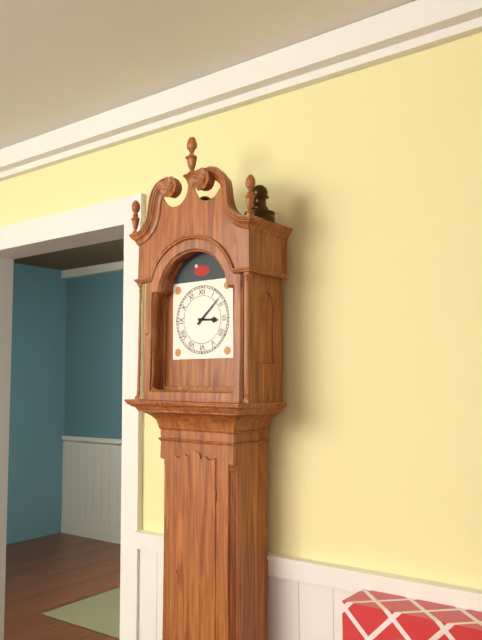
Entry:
h=3 m=8
